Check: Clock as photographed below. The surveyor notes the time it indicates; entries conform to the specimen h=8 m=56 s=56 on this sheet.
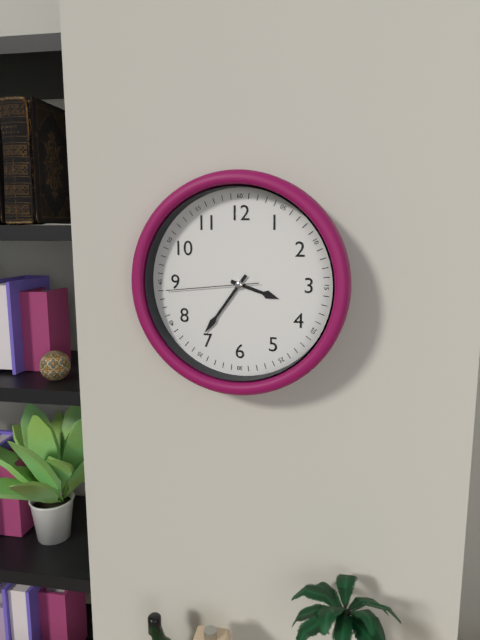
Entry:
h=3 m=36 s=44
